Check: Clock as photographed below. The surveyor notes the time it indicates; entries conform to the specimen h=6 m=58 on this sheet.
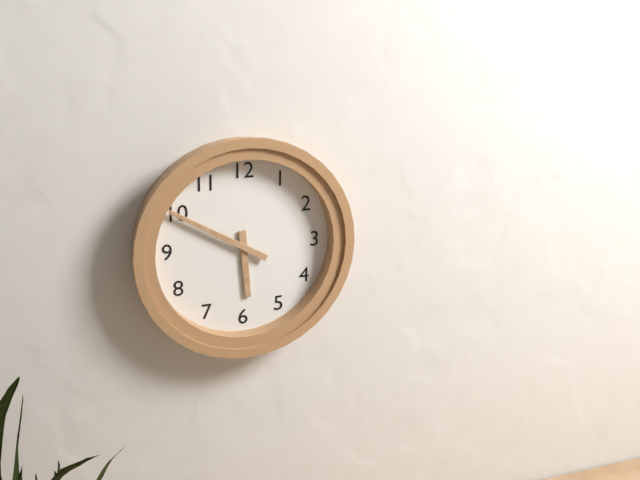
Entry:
h=5 m=50
